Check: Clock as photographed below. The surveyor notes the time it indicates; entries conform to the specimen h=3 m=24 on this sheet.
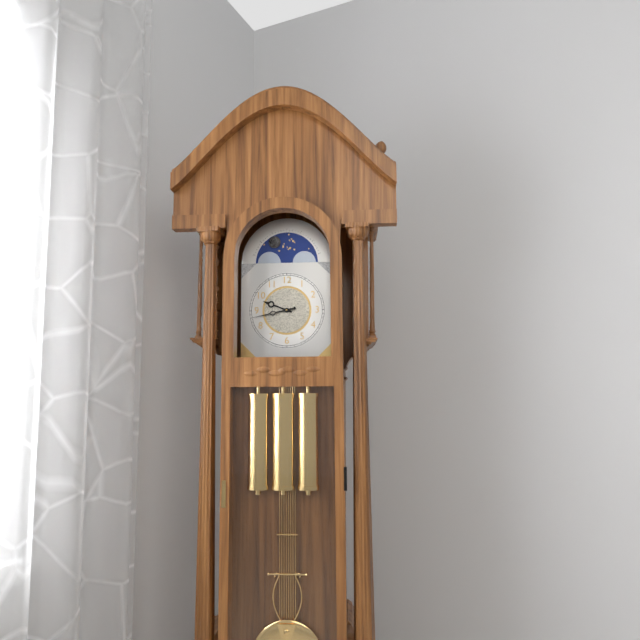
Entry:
h=9 m=43
